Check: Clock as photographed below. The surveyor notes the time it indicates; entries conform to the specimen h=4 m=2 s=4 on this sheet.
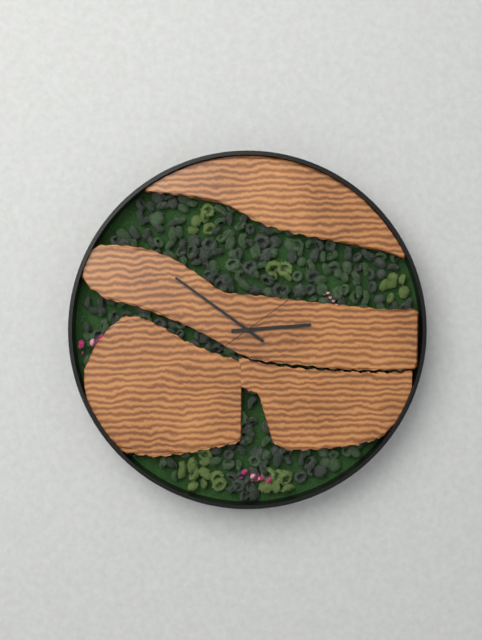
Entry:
h=2 m=51 s=9
